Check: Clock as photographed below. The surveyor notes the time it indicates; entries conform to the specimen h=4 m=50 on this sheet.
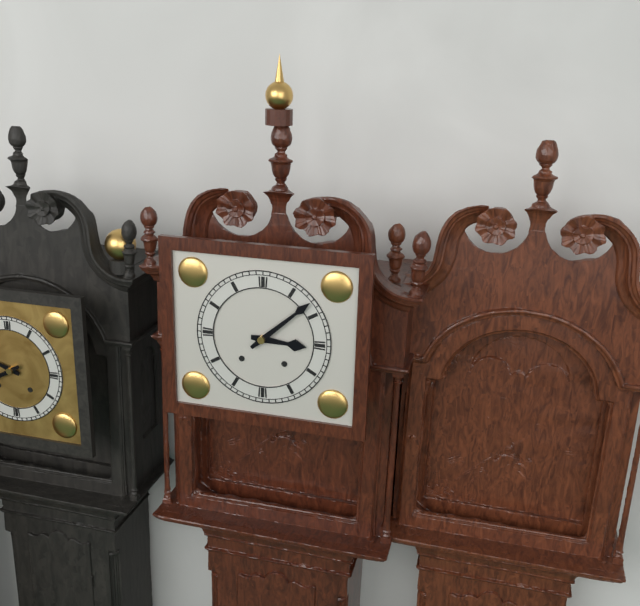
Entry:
h=3 m=8
